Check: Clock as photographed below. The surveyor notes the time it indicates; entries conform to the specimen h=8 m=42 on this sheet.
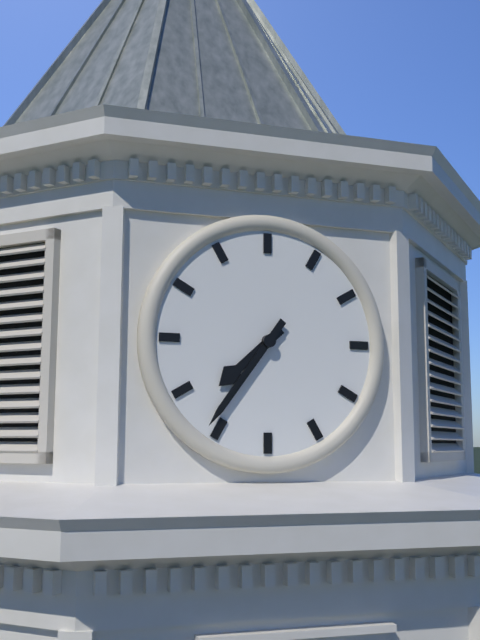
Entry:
h=7 m=36
